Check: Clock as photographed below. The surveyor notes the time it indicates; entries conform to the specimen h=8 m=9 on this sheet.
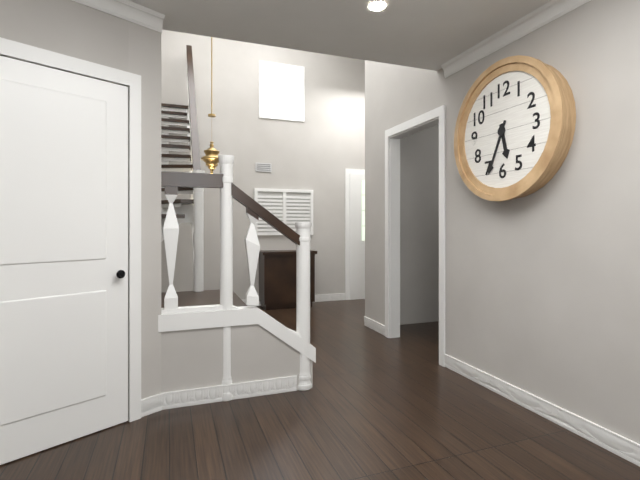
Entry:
h=5 m=34
